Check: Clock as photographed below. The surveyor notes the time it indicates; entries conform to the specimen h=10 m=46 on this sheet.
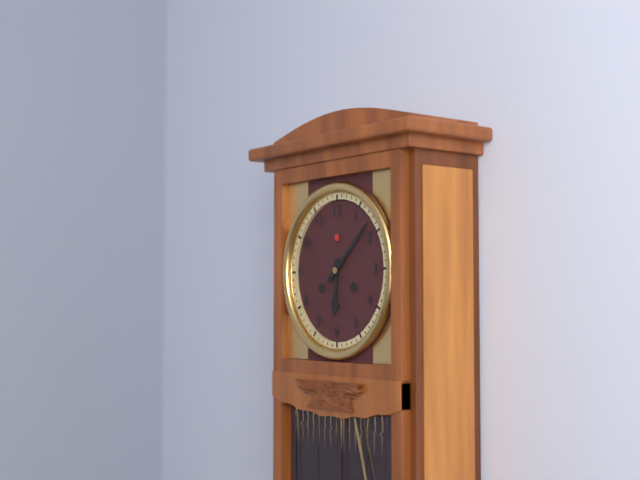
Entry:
h=6 m=8
